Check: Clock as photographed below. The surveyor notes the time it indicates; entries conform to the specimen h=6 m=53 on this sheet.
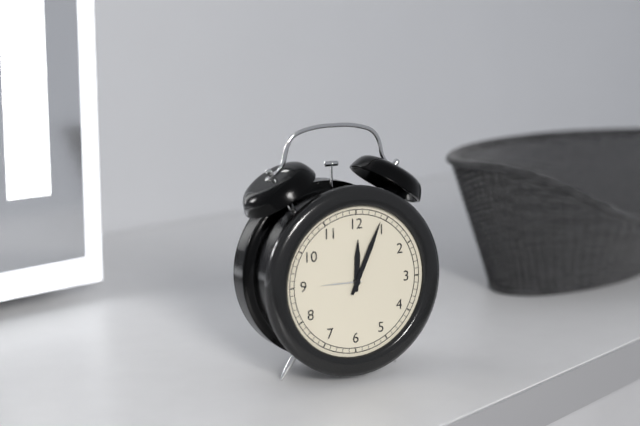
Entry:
h=12 m=4
